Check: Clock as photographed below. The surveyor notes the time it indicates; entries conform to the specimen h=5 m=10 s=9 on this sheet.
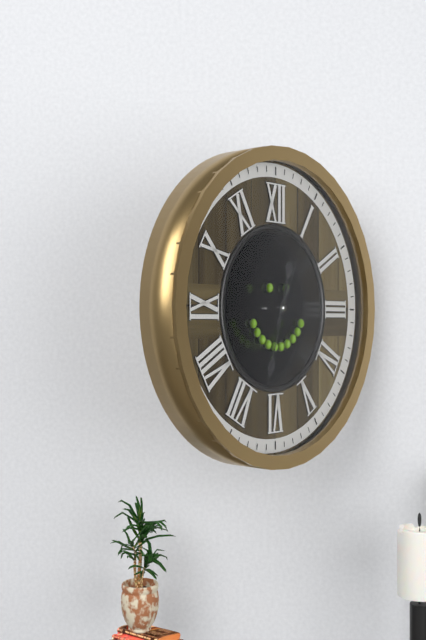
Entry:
h=12 m=33 s=4
